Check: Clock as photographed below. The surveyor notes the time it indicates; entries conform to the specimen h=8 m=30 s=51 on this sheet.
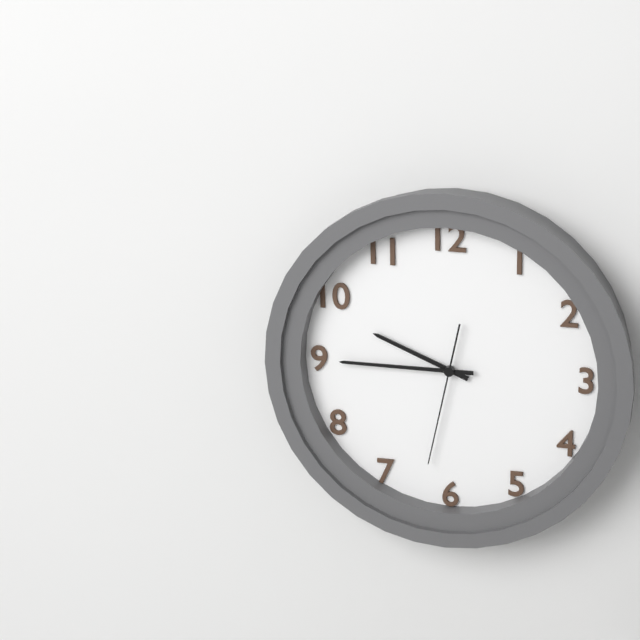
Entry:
h=9 m=45 s=32
